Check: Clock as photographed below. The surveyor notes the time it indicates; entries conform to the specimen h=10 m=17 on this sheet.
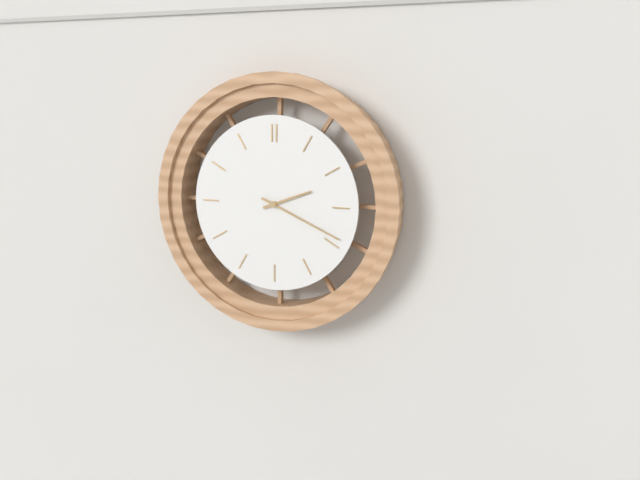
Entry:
h=2 m=19
